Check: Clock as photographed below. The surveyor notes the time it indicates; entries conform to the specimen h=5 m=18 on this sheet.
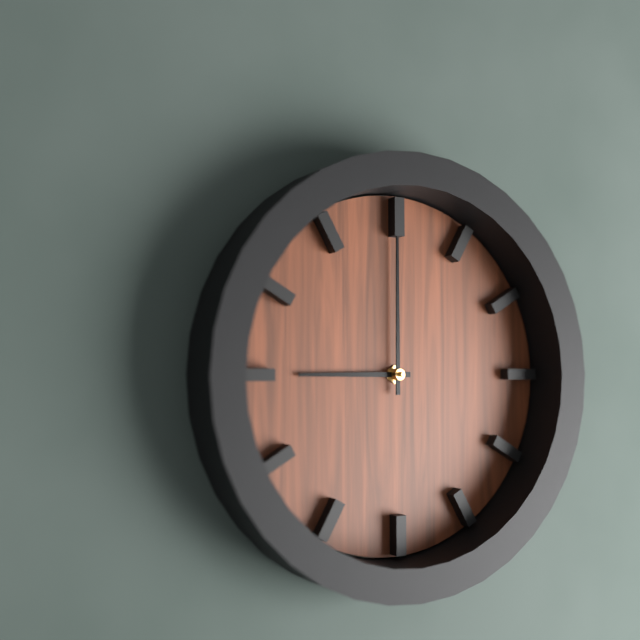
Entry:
h=9 m=0
